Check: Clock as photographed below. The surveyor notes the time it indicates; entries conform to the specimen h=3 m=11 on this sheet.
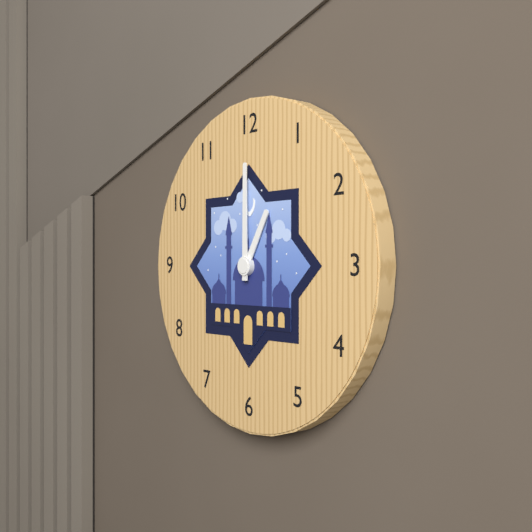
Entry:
h=1 m=0
